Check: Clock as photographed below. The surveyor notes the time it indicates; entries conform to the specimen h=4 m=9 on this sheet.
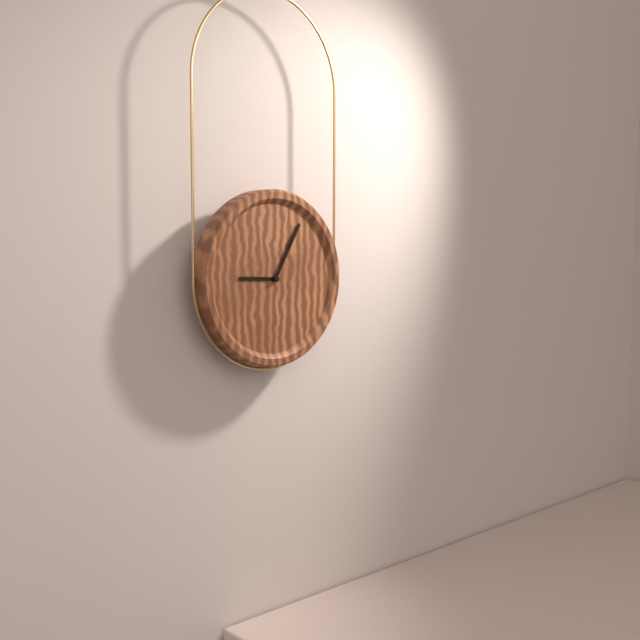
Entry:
h=9 m=5
